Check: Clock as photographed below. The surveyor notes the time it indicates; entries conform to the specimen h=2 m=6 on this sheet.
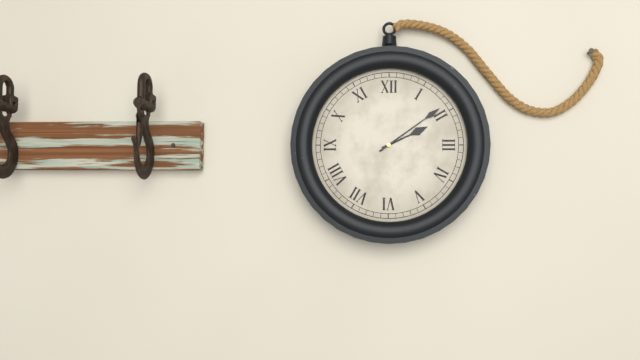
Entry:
h=2 m=9
